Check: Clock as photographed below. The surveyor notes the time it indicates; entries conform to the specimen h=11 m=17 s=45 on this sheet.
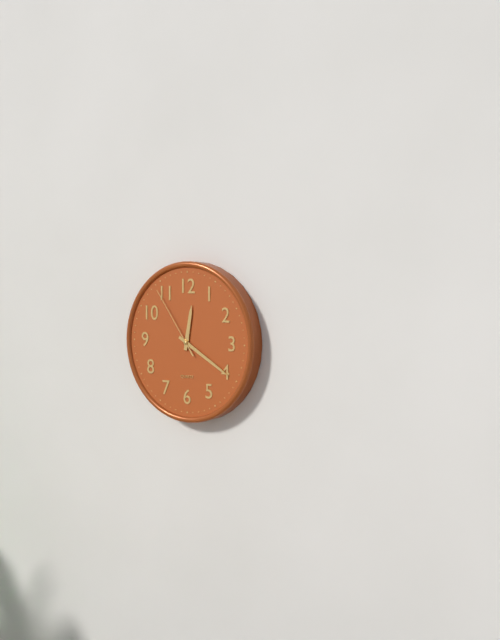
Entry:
h=12 m=20 s=54
